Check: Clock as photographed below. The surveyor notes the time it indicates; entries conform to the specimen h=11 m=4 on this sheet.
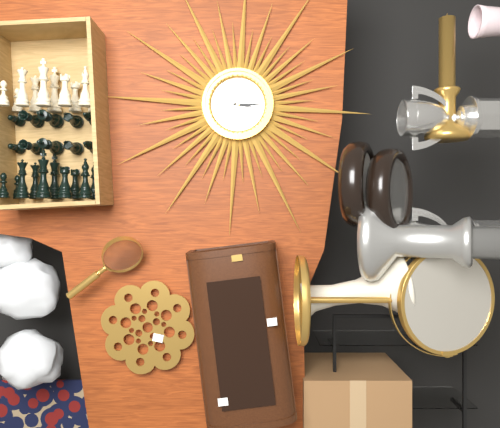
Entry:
h=3 m=15
